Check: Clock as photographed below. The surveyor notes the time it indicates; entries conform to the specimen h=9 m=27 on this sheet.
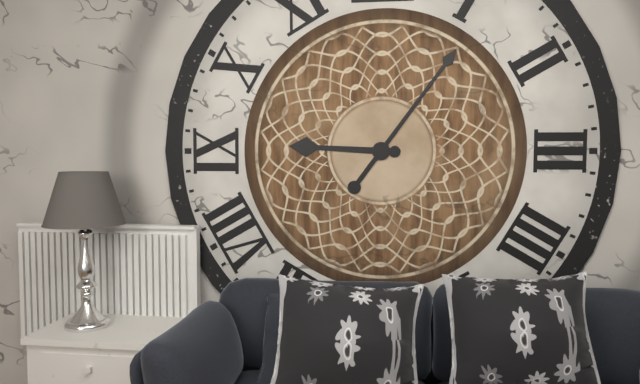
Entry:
h=9 m=6
